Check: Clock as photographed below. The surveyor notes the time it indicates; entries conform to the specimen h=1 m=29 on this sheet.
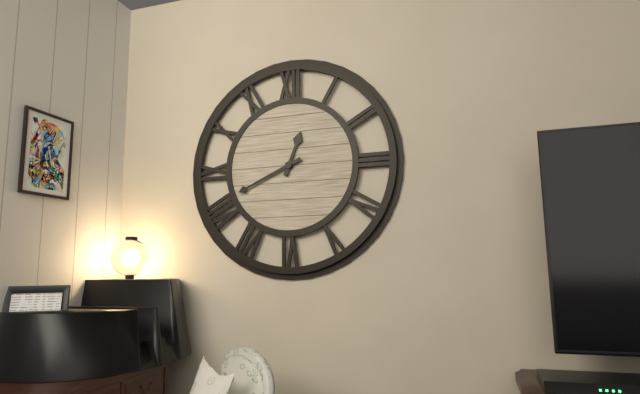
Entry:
h=12 m=41
